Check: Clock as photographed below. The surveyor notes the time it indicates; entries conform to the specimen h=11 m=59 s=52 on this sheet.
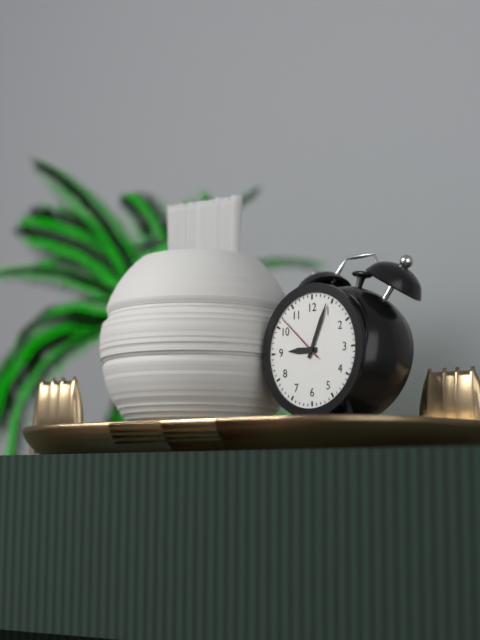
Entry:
h=9 m=4 s=52
